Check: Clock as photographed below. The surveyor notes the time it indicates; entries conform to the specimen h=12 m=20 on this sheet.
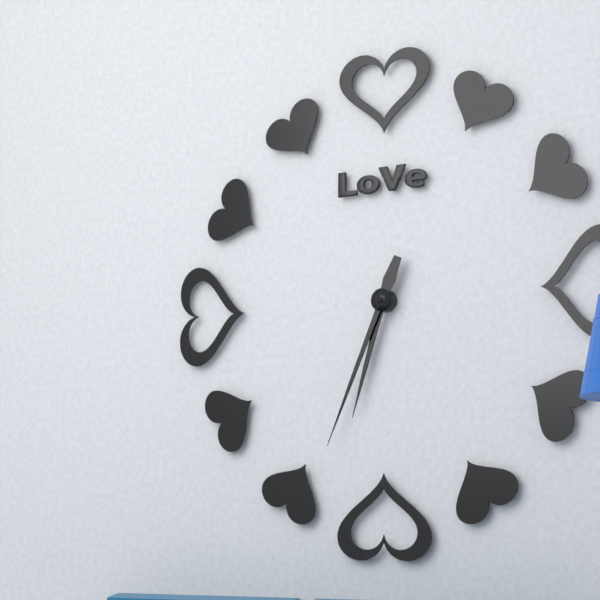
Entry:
h=6 m=34
